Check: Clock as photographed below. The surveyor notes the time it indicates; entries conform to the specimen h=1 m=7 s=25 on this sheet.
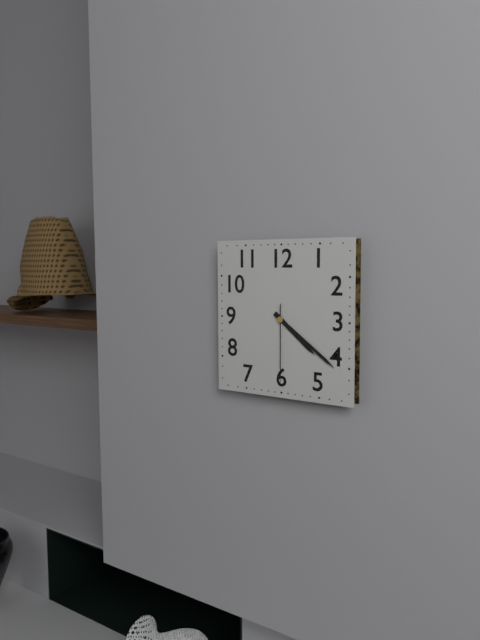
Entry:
h=4 m=21 s=30
